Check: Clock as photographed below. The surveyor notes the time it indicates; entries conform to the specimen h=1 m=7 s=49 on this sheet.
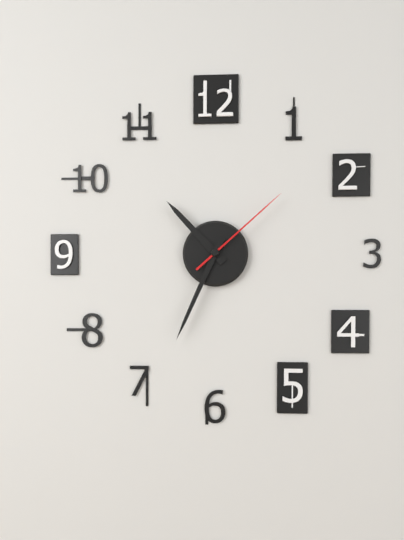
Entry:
h=10 m=34 s=8
